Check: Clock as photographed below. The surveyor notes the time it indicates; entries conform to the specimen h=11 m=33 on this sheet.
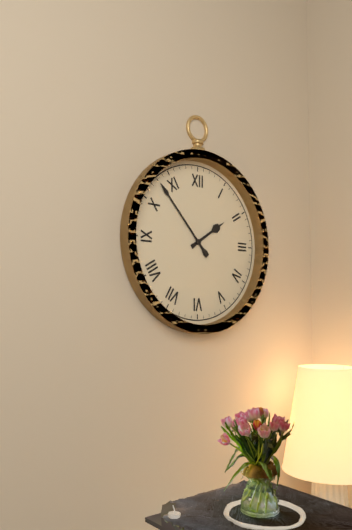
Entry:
h=1 m=53
